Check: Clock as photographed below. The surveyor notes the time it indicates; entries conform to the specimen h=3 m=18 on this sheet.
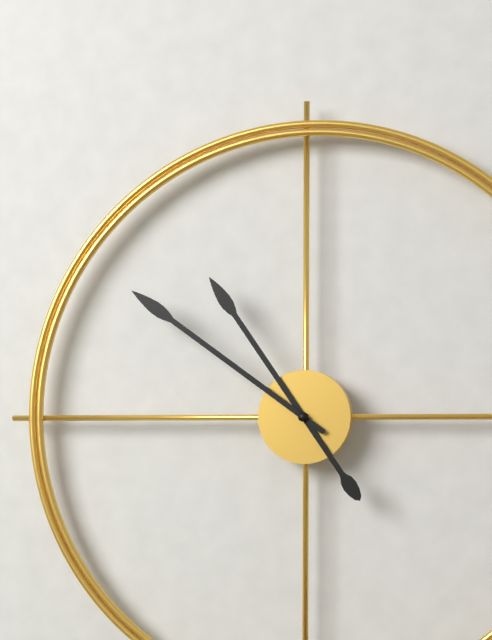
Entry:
h=10 m=51
